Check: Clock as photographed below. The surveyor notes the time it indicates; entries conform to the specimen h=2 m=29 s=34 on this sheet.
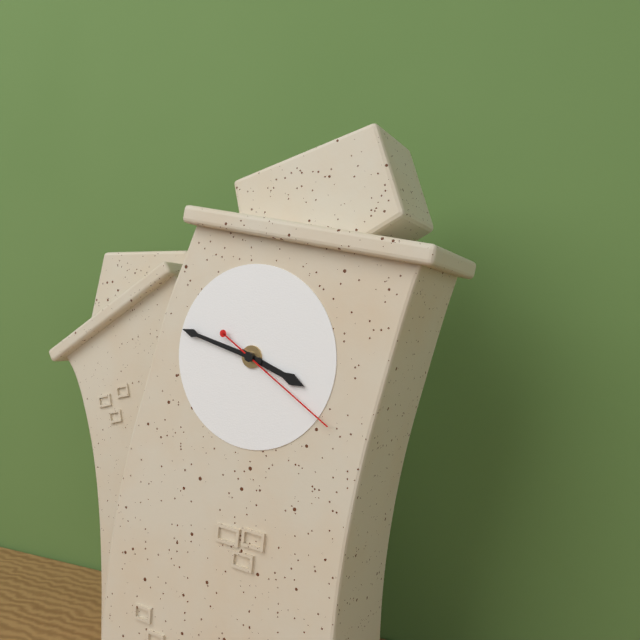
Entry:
h=3 m=48 s=21
